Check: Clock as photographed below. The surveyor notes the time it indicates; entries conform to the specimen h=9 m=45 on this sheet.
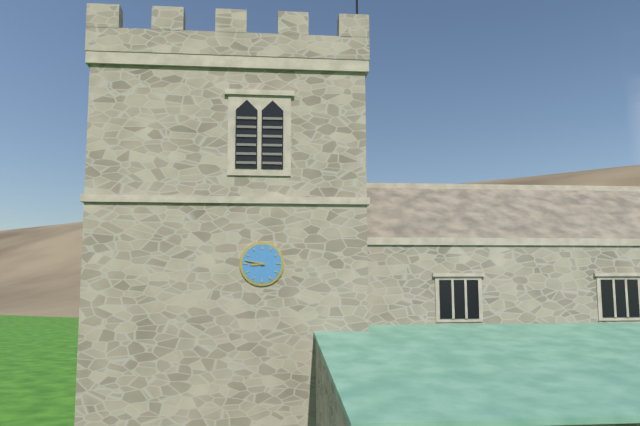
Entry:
h=8 m=47
